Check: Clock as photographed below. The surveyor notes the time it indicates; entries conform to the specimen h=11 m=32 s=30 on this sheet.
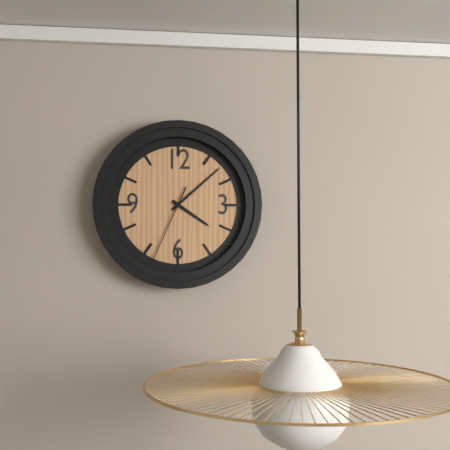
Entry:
h=4 m=8 s=34
